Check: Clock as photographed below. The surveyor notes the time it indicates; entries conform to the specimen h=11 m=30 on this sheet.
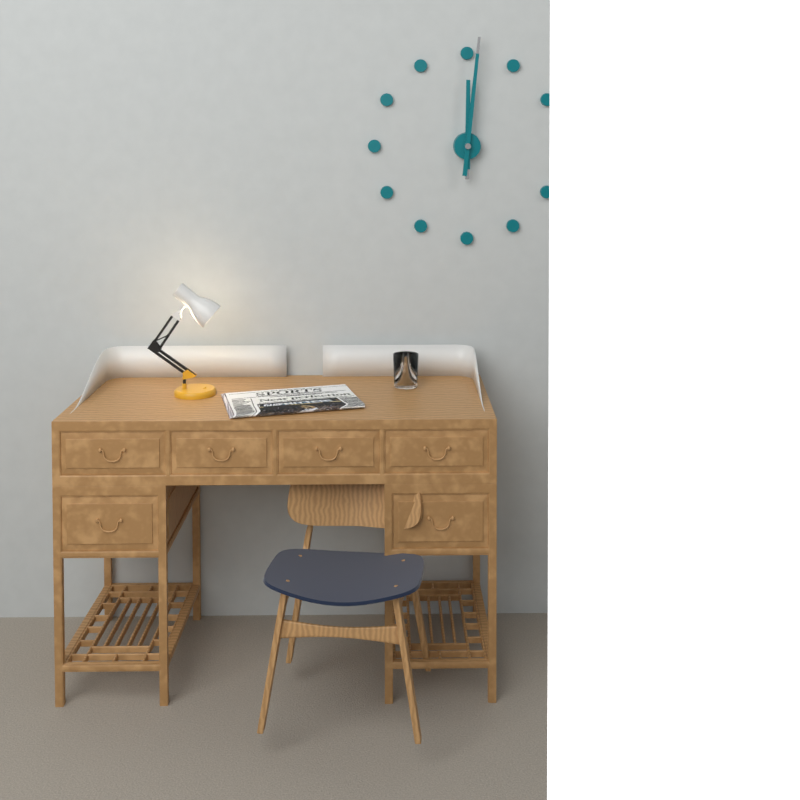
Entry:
h=12 m=1
